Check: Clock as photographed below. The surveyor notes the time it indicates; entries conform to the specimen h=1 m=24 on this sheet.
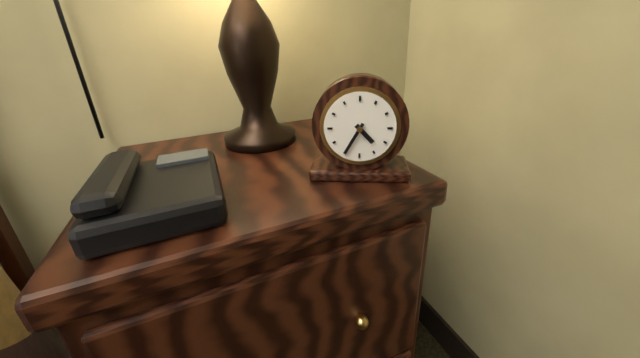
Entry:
h=4 m=35
